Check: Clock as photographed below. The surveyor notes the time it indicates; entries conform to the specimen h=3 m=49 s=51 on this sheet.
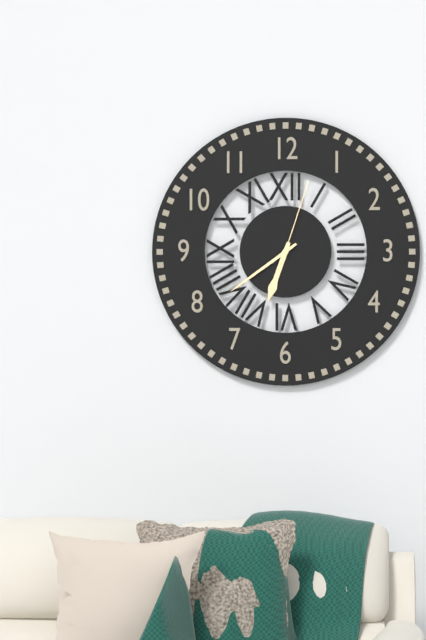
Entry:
h=6 m=39 s=3
